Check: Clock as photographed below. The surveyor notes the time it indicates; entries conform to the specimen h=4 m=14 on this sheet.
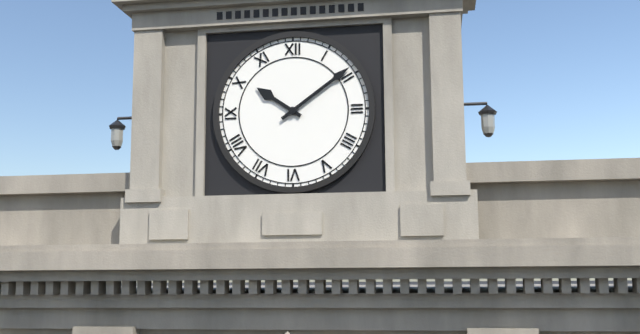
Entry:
h=10 m=9
